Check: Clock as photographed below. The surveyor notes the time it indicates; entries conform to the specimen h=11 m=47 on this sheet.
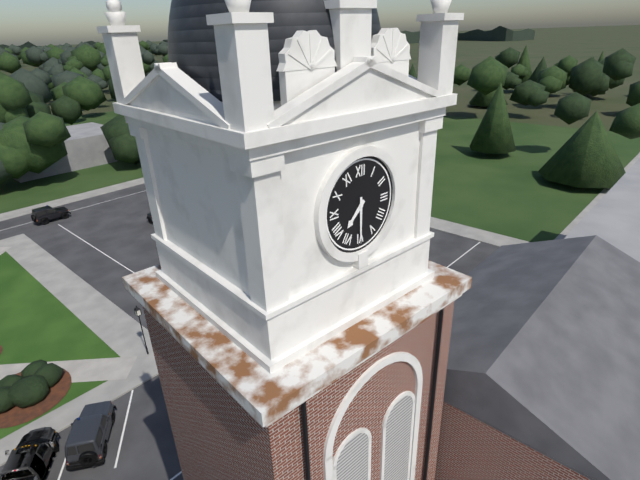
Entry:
h=7 m=30
